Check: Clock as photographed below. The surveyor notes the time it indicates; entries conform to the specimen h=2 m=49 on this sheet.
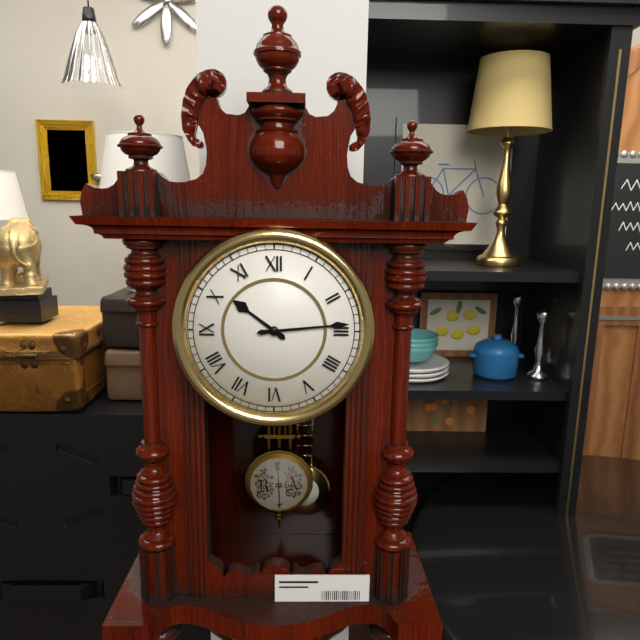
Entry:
h=10 m=14
